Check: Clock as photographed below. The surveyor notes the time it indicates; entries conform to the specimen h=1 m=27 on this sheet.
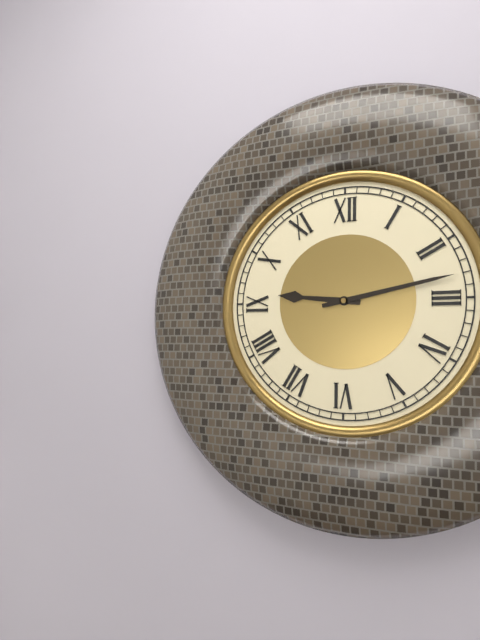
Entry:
h=9 m=13
